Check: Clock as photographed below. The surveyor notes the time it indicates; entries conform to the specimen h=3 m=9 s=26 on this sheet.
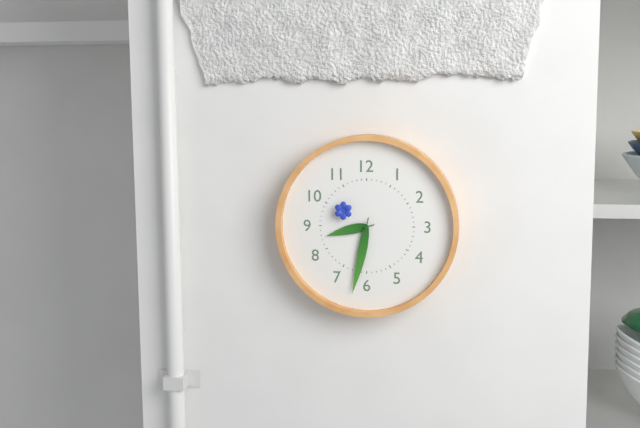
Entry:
h=8 m=32 s=51
